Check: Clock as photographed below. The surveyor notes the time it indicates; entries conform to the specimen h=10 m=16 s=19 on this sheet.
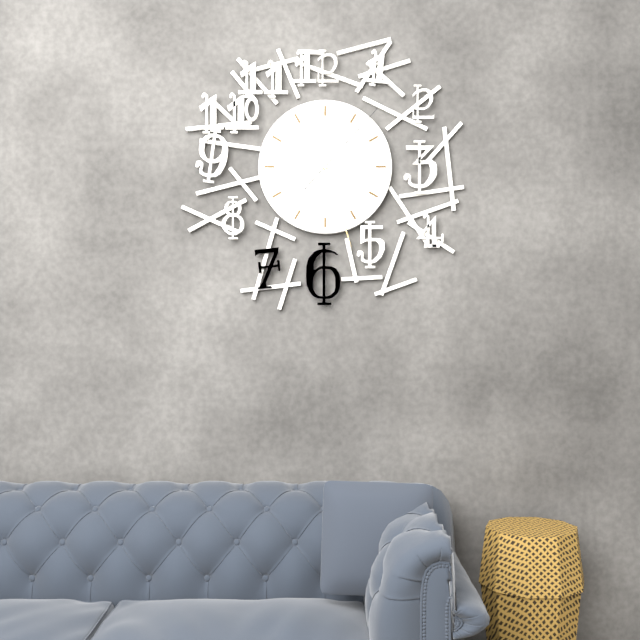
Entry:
h=5 m=27 s=7
